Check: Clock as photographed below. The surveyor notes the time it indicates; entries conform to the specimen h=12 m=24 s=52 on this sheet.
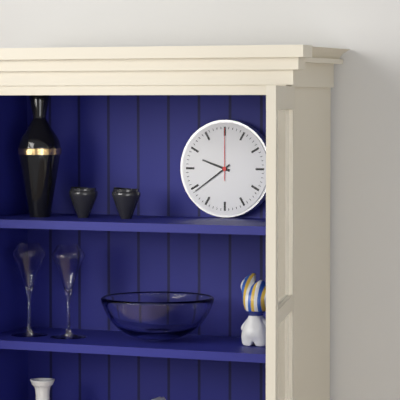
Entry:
h=9 m=39 s=0
